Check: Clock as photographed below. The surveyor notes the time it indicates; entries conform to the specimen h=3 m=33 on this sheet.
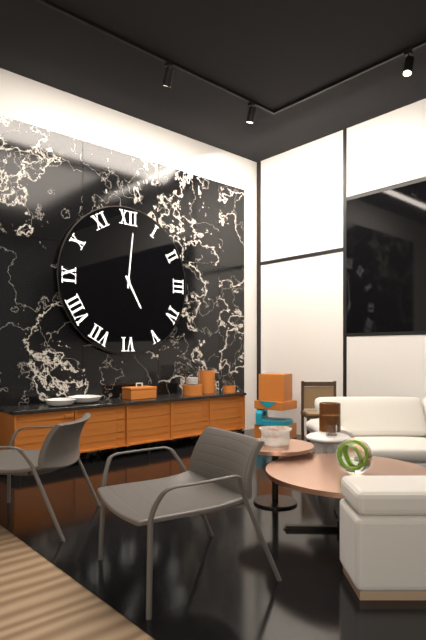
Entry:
h=5 m=1
